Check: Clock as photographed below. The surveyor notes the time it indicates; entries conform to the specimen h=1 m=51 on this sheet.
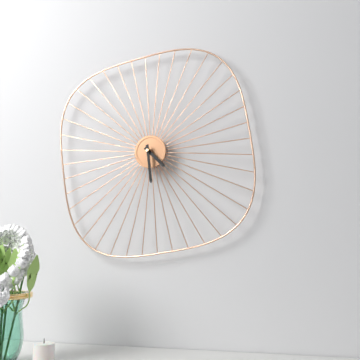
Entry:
h=4 m=29
